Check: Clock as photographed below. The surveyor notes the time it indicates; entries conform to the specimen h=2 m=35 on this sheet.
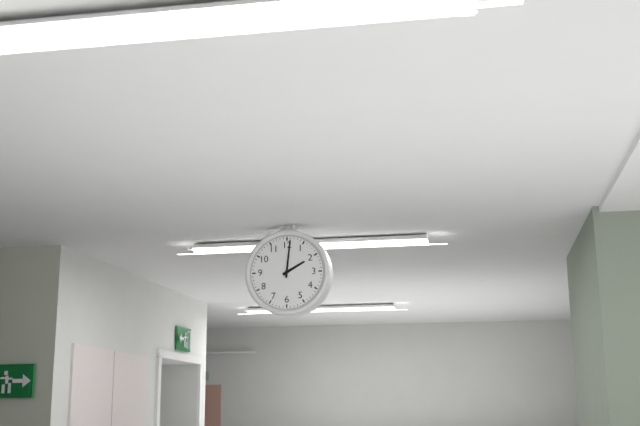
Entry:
h=2 m=1
